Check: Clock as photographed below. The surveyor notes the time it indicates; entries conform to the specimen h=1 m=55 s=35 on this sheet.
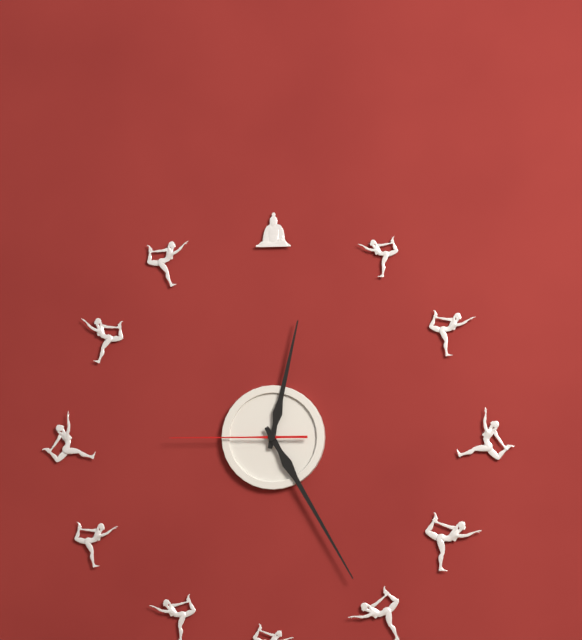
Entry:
h=12 m=25 s=45
